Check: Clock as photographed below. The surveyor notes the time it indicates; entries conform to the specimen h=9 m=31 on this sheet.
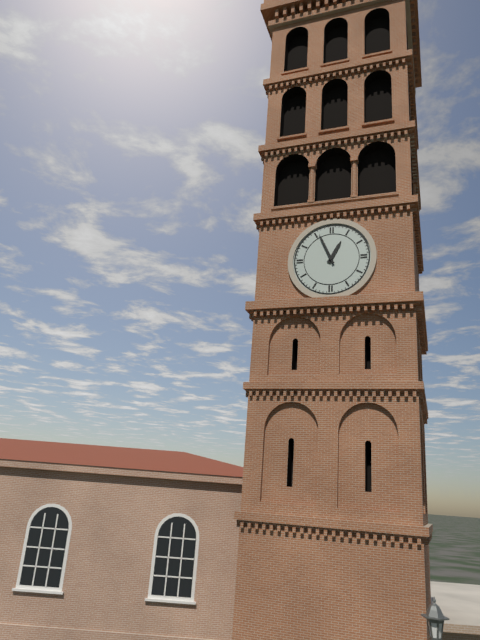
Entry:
h=12 m=56
